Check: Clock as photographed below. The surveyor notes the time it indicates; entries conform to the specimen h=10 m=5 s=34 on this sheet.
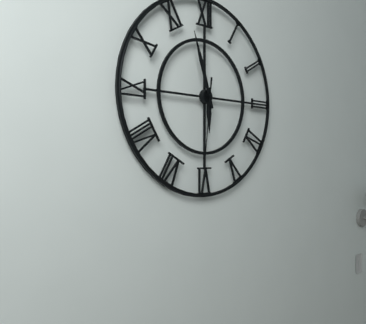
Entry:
h=5 m=57 s=31
